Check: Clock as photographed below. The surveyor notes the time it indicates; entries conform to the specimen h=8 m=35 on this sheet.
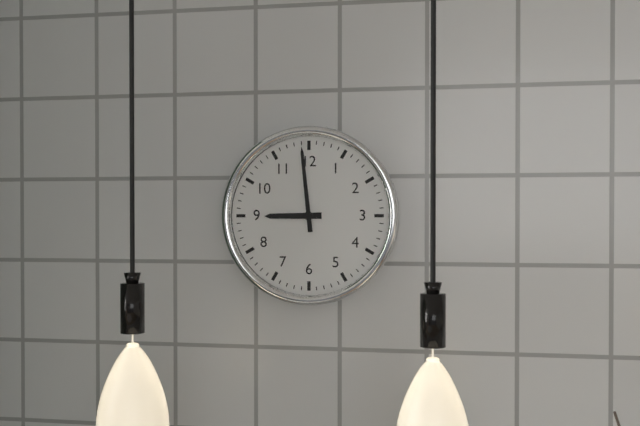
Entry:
h=8 m=59
